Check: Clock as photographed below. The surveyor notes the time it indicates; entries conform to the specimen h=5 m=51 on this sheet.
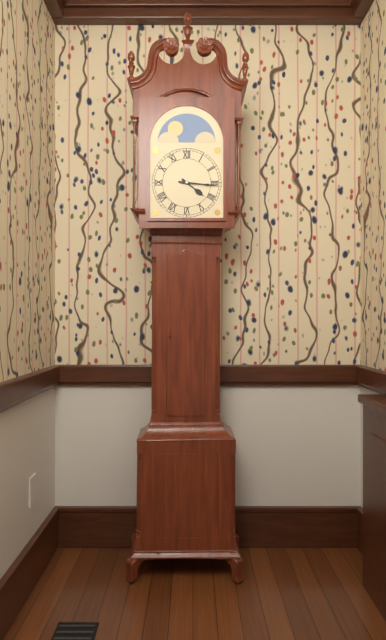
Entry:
h=4 m=16
